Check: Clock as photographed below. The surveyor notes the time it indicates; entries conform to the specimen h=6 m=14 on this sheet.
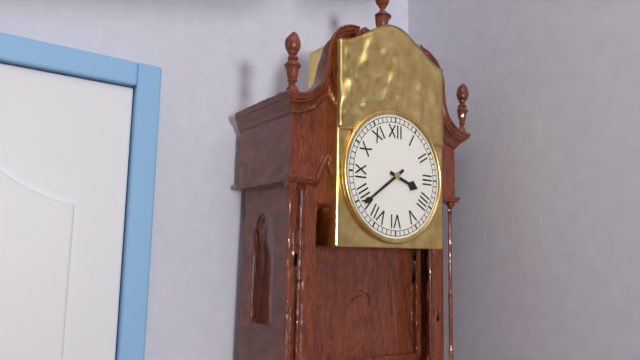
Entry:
h=3 m=39
